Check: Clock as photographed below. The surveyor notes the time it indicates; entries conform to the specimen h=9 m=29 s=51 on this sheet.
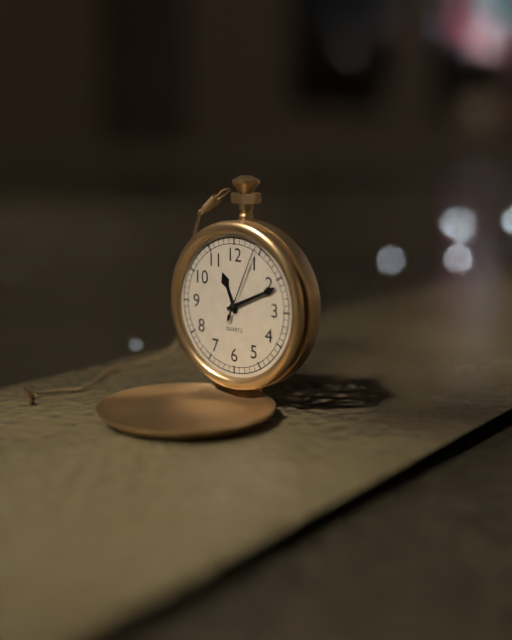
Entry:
h=11 m=11 s=4
